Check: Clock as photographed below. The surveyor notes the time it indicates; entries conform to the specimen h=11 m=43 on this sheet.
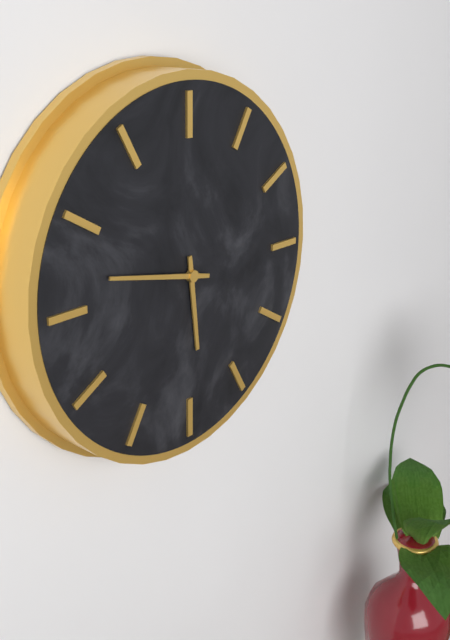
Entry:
h=5 m=47
